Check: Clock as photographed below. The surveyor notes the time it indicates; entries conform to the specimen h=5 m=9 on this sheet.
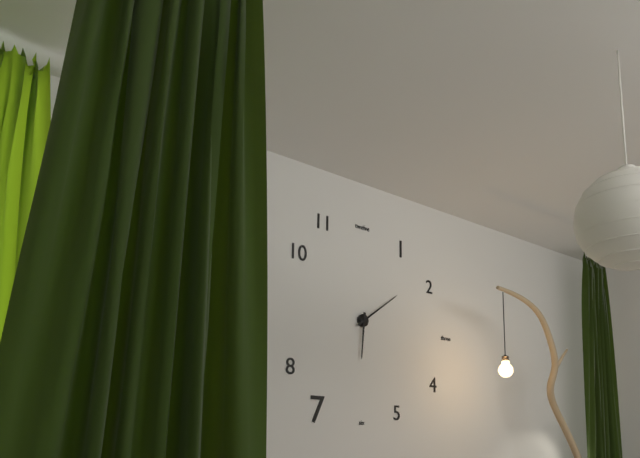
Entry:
h=6 m=9
